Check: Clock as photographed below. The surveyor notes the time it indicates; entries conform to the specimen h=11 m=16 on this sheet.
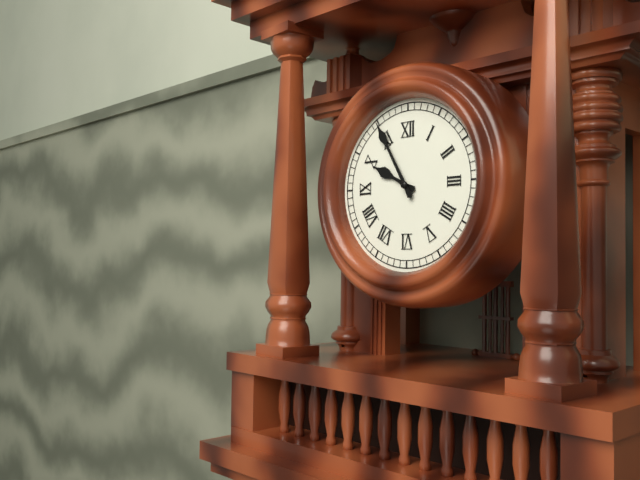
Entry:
h=9 m=55
